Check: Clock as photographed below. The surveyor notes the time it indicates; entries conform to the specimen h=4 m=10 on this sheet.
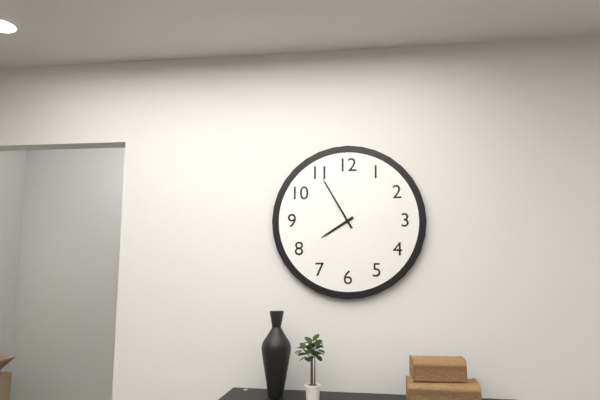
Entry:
h=7 m=55
